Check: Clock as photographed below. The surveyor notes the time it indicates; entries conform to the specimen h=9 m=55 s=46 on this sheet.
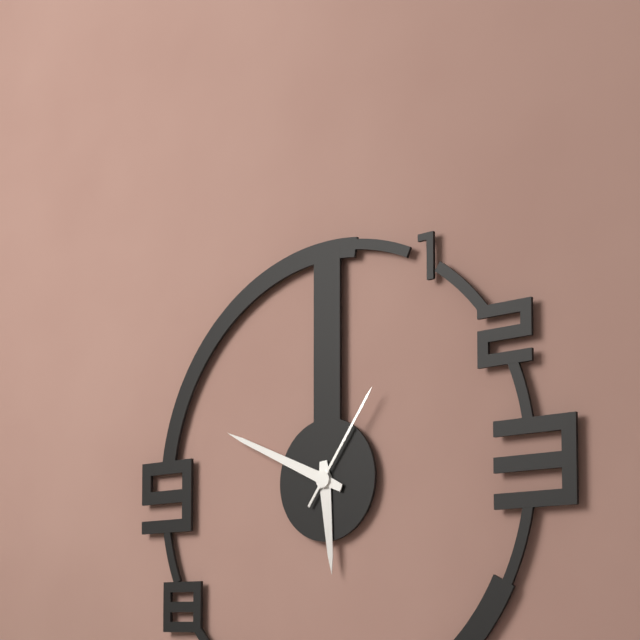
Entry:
h=5 m=49 s=6
